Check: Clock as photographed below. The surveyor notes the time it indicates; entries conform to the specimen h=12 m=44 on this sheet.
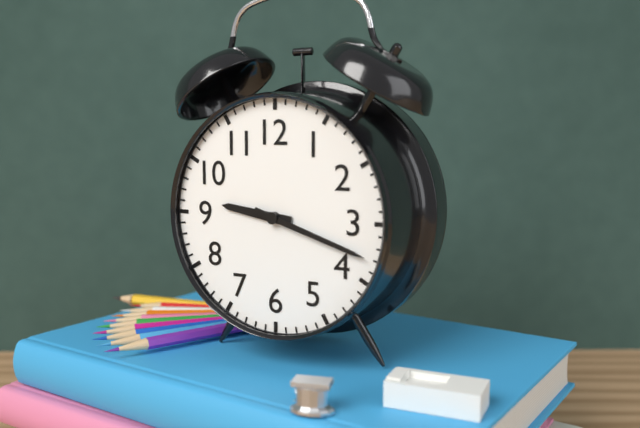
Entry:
h=9 m=18
